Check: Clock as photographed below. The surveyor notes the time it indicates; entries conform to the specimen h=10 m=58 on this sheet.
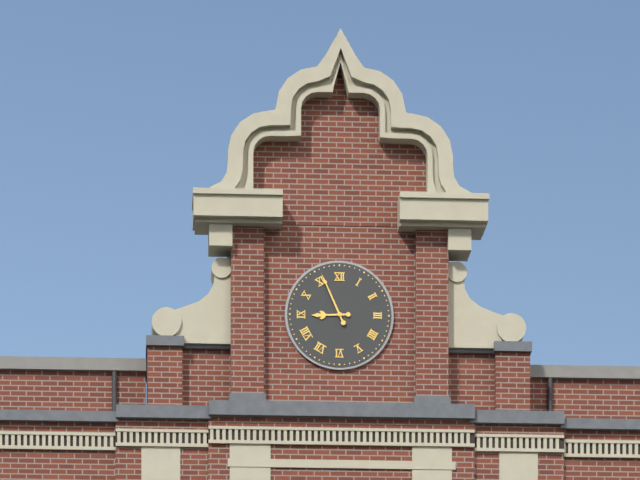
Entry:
h=8 m=56
